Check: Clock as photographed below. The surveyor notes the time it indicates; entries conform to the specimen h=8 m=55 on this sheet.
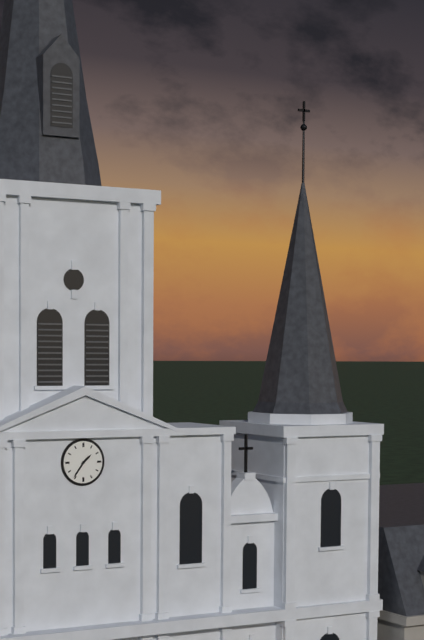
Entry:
h=1 m=36
